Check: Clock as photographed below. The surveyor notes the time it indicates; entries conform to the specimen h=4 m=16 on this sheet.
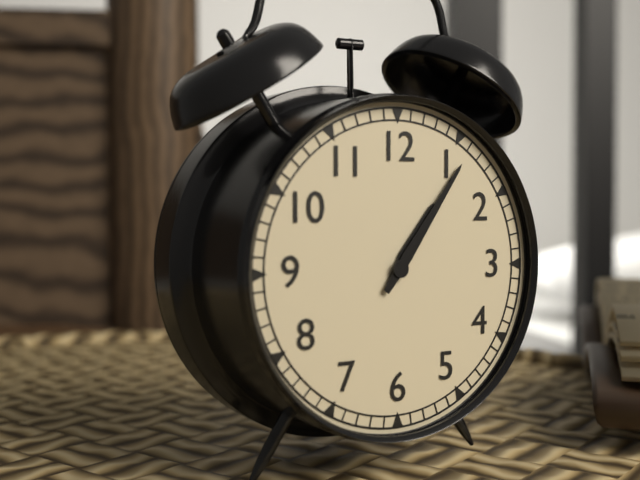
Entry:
h=1 m=6
